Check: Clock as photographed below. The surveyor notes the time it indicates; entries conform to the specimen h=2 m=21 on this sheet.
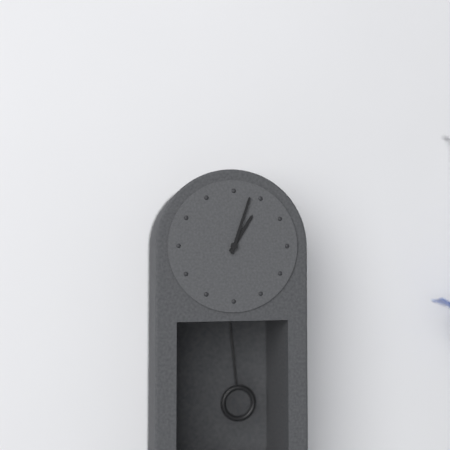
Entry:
h=1 m=3
